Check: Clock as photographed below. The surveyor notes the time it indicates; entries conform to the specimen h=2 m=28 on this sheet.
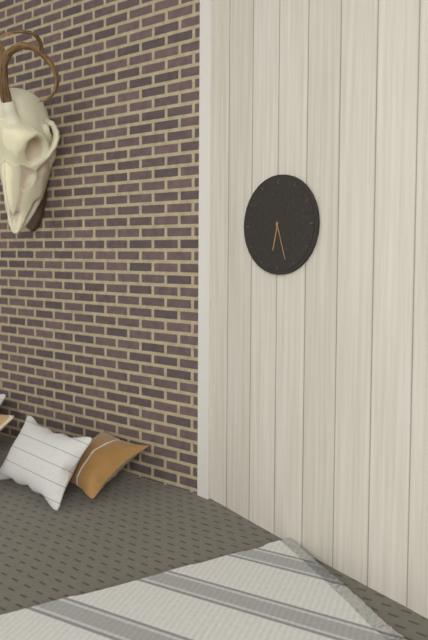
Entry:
h=6 m=27
